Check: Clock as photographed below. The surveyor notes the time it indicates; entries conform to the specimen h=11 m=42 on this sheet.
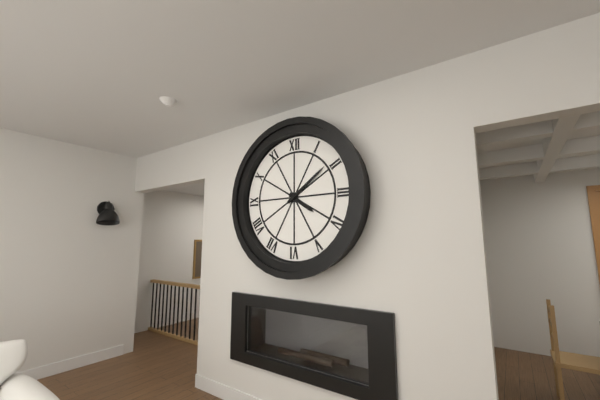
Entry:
h=4 m=9
